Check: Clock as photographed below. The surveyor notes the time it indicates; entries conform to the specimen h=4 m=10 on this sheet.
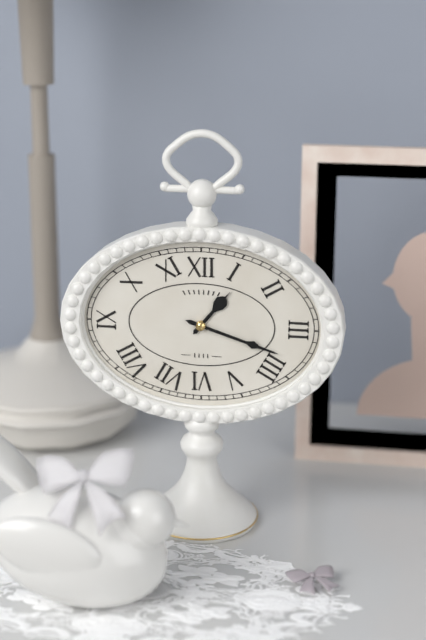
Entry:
h=1 m=18
